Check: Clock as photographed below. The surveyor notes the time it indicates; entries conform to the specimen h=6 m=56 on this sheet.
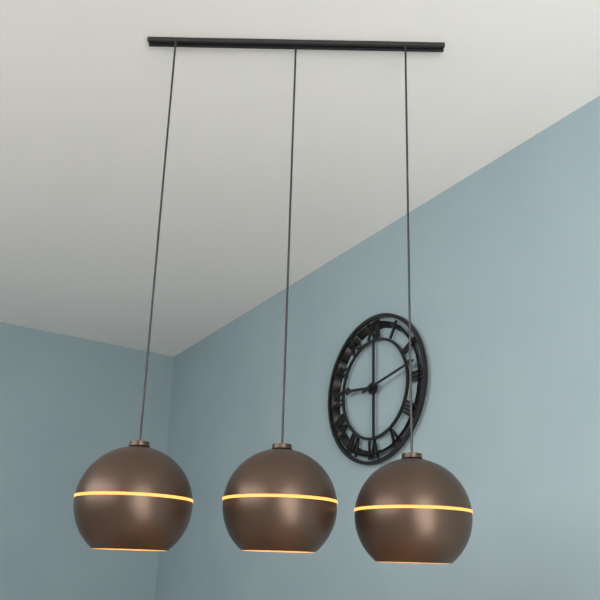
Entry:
h=9 m=13
